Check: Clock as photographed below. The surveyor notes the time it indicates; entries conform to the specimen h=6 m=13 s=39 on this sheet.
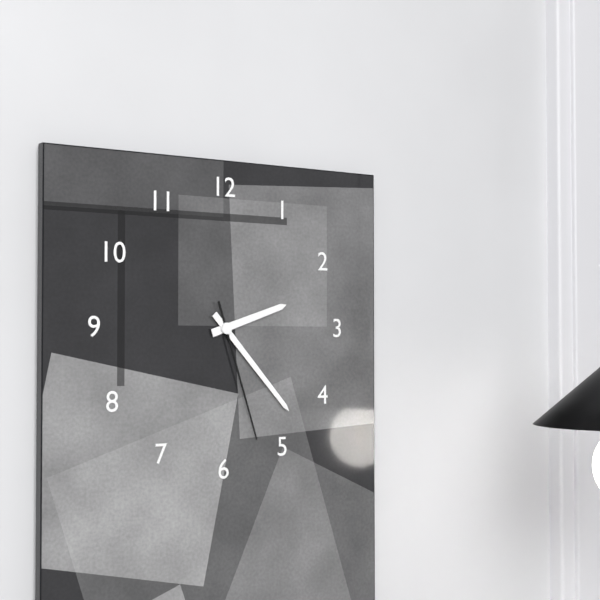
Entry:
h=2 m=23 s=27
